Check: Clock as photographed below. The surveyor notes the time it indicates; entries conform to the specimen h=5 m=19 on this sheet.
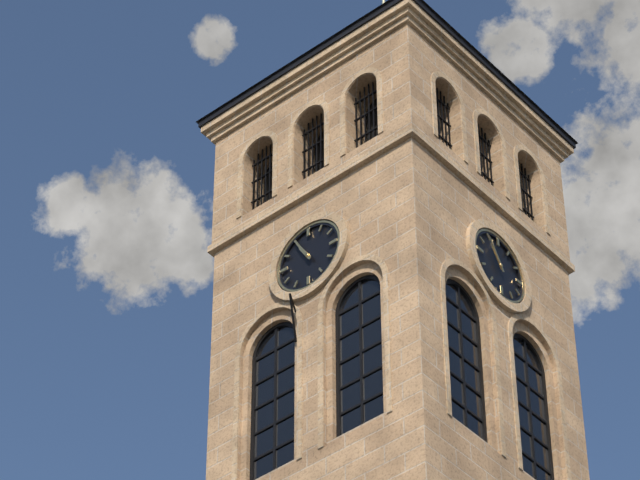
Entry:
h=10 m=55
